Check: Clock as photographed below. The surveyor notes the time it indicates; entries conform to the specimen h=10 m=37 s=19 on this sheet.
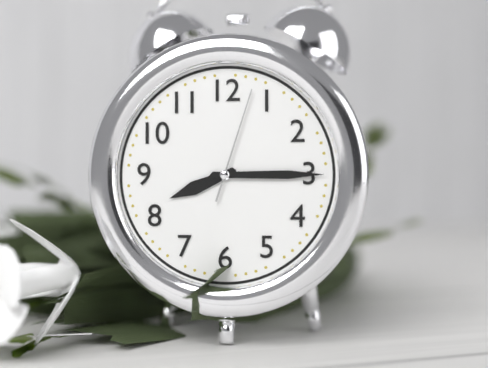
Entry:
h=8 m=15 s=3
